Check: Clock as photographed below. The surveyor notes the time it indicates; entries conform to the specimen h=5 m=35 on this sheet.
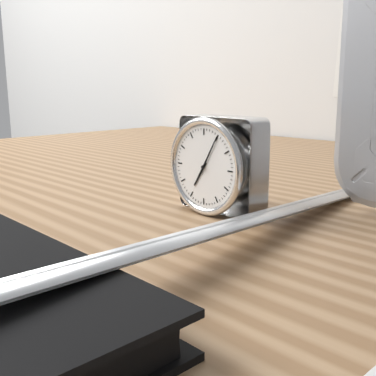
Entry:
h=7 m=5
